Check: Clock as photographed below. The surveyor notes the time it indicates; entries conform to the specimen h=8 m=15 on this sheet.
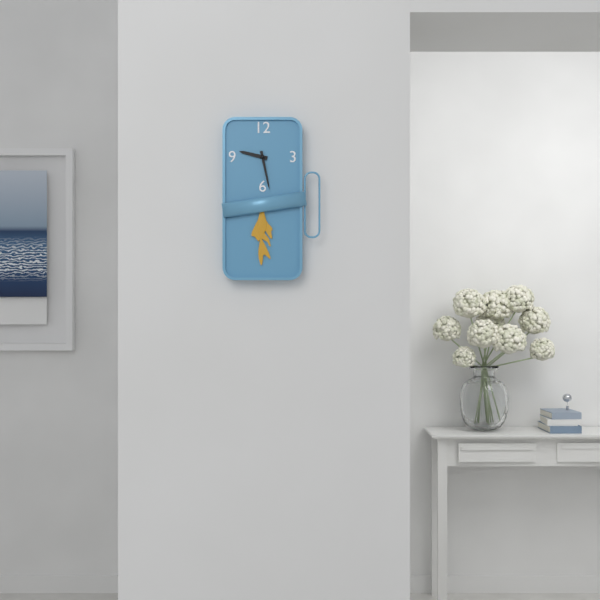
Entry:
h=9 m=28
